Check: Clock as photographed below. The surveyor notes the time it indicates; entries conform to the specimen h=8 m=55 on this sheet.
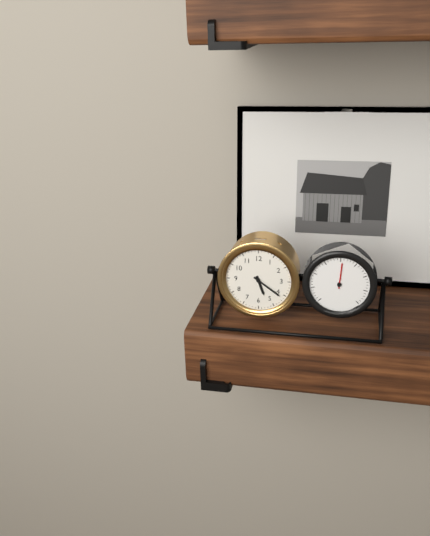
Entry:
h=5 m=21
